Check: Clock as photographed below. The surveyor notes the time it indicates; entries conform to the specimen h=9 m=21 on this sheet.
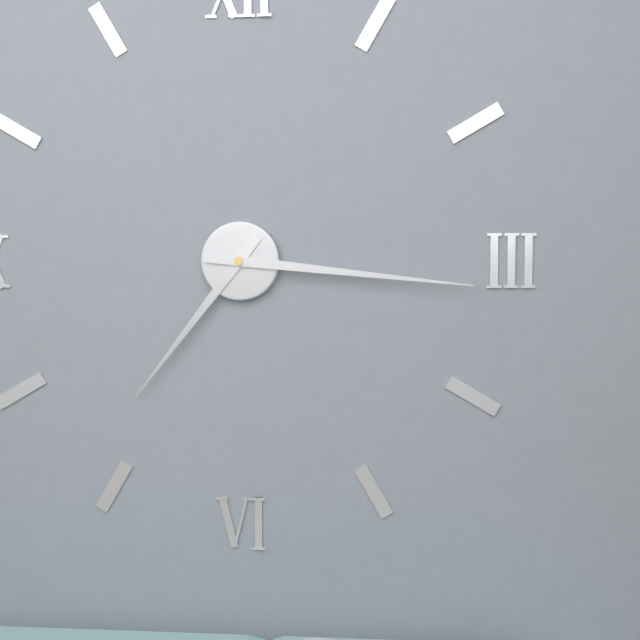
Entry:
h=7 m=16
